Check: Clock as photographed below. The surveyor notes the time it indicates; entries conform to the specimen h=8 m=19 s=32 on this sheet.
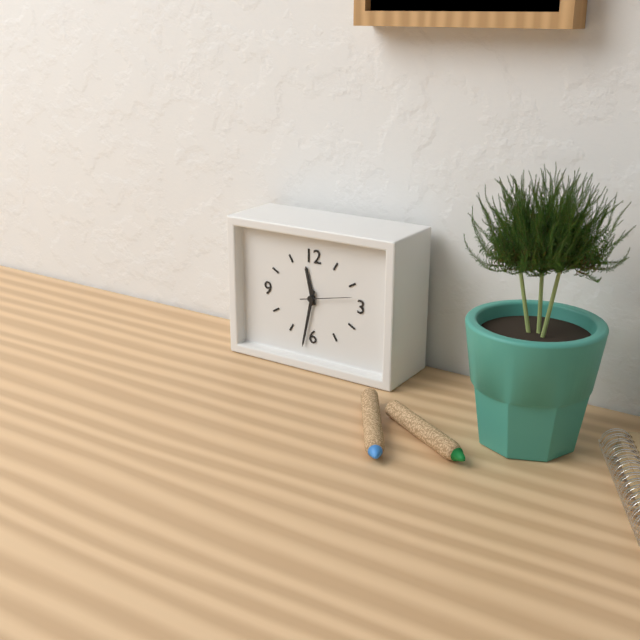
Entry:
h=11 m=32 s=13
